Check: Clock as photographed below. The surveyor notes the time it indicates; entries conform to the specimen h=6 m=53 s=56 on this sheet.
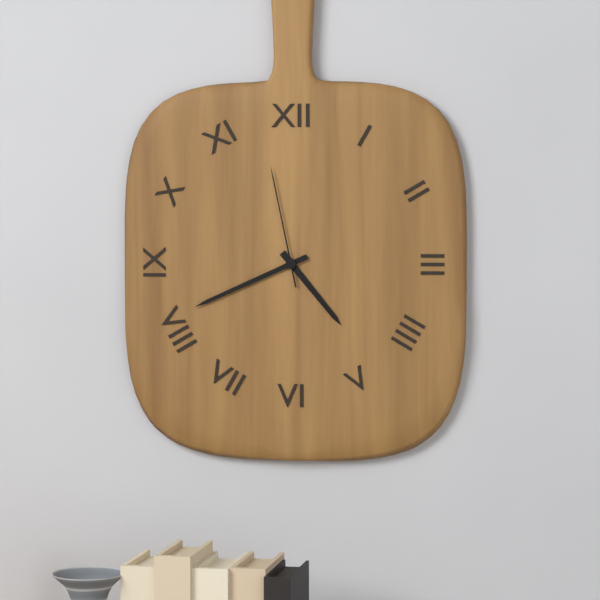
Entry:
h=4 m=41 s=58
